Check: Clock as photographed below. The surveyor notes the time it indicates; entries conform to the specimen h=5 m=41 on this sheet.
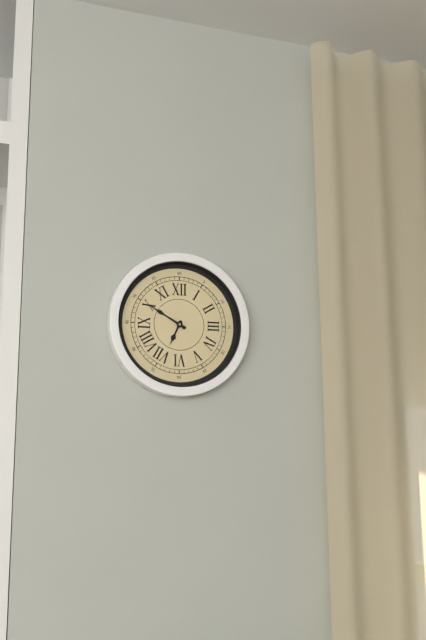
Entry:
h=6 m=50
